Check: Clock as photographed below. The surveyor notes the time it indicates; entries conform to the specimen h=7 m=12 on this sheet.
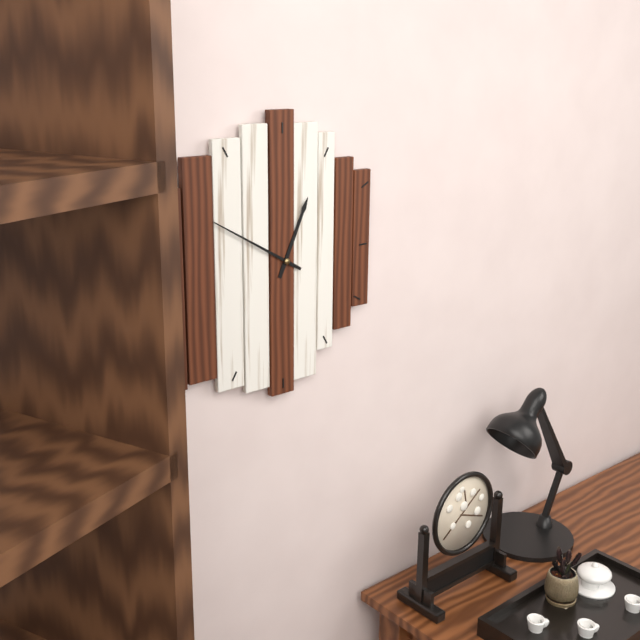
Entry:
h=12 m=50
